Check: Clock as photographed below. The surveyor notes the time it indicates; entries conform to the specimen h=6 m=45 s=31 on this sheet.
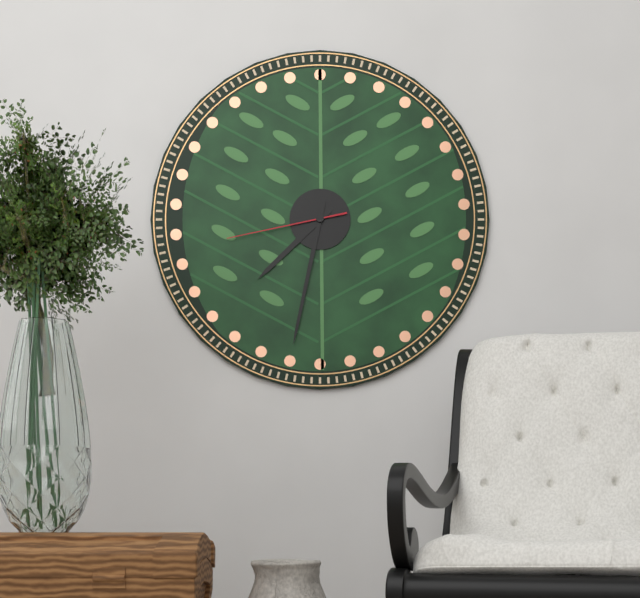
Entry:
h=7 m=32 s=43
